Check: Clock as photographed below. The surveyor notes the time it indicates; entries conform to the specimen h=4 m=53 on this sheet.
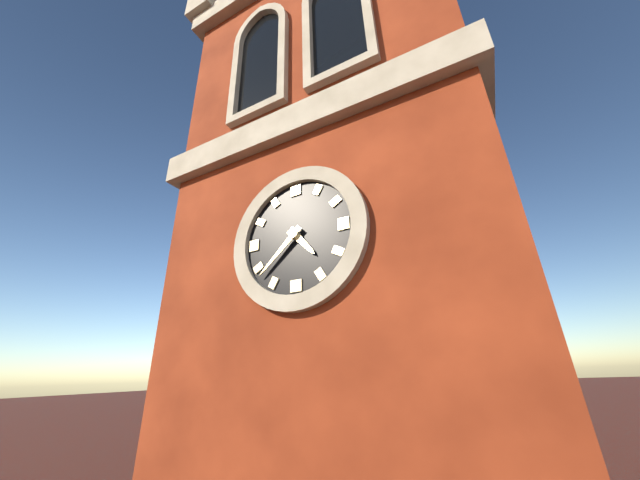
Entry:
h=4 m=38
